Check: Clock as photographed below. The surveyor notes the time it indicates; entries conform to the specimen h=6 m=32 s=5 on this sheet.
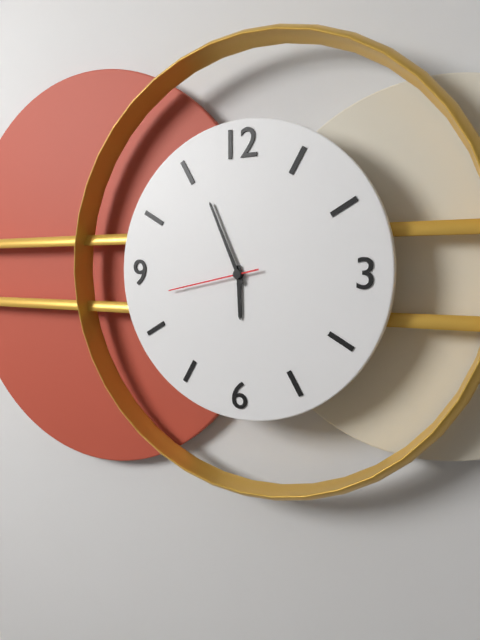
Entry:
h=5 m=56 s=43
